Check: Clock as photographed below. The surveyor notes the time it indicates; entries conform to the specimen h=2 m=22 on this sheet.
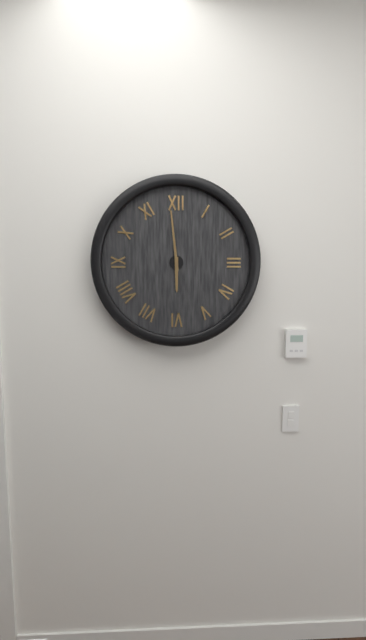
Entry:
h=5 m=59
